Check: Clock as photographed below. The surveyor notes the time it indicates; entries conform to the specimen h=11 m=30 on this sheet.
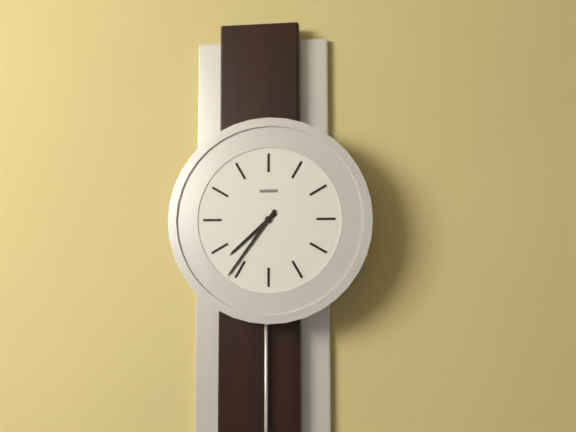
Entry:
h=7 m=36
